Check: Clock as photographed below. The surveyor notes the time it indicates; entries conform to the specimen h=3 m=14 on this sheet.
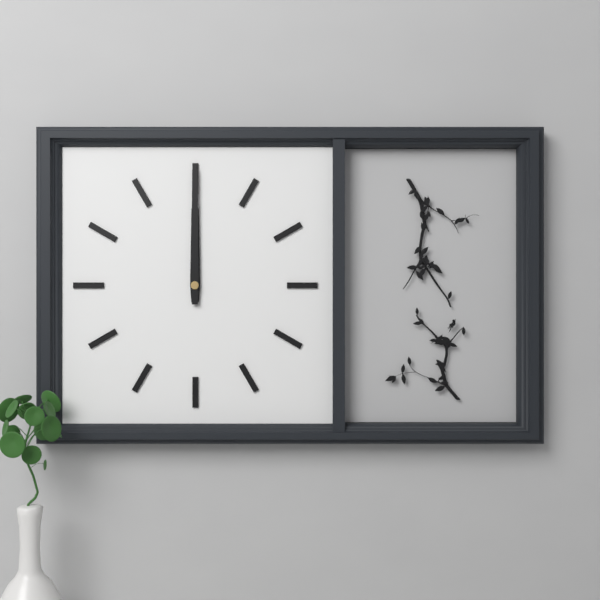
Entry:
h=12 m=0
